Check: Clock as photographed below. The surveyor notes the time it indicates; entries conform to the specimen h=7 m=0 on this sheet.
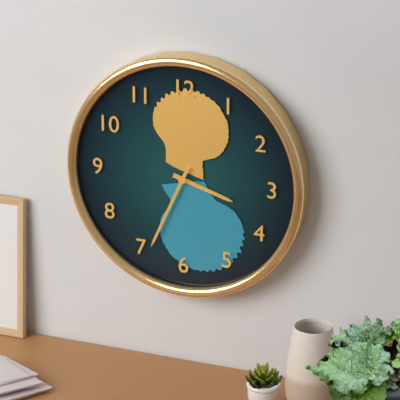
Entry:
h=3 m=34
